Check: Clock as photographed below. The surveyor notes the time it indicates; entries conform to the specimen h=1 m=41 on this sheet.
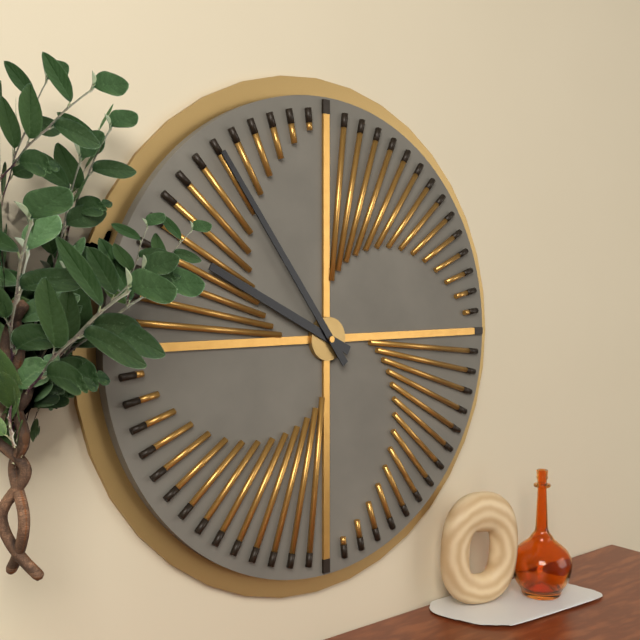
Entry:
h=9 m=54
